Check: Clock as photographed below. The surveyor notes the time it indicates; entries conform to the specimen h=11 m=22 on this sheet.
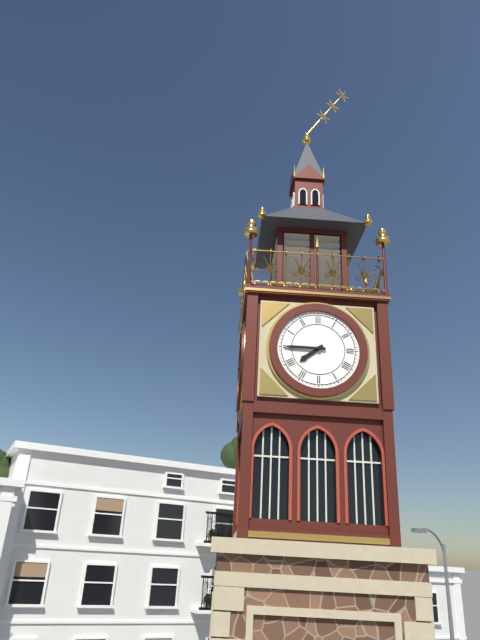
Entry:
h=7 m=45
